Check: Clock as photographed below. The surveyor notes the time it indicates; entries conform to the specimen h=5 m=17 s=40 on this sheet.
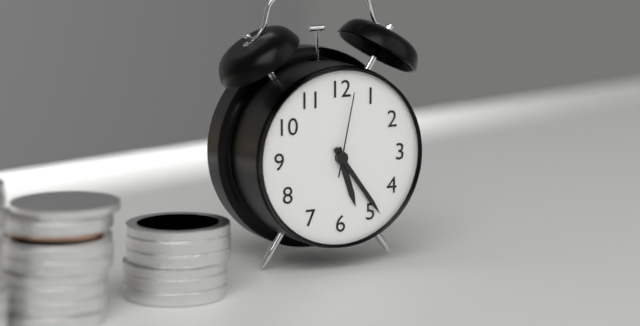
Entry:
h=5 m=24 s=2
